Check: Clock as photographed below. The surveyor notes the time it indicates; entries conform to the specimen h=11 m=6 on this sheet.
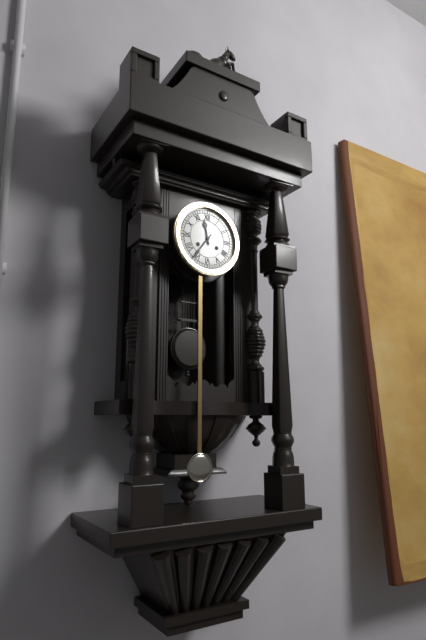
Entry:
h=11 m=36
